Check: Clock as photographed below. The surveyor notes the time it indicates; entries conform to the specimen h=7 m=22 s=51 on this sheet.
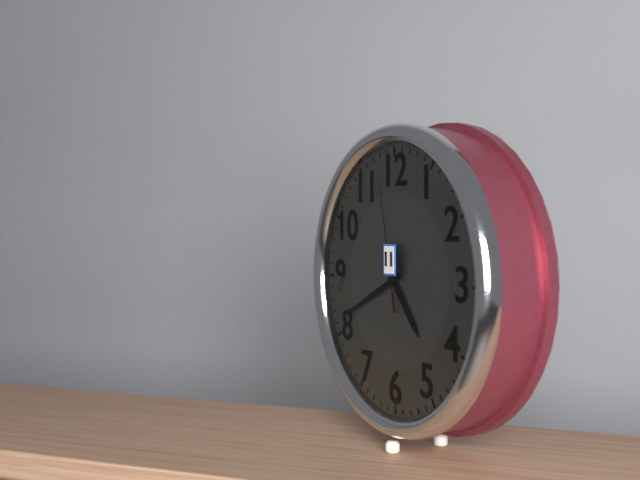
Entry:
h=4 m=41 s=58
